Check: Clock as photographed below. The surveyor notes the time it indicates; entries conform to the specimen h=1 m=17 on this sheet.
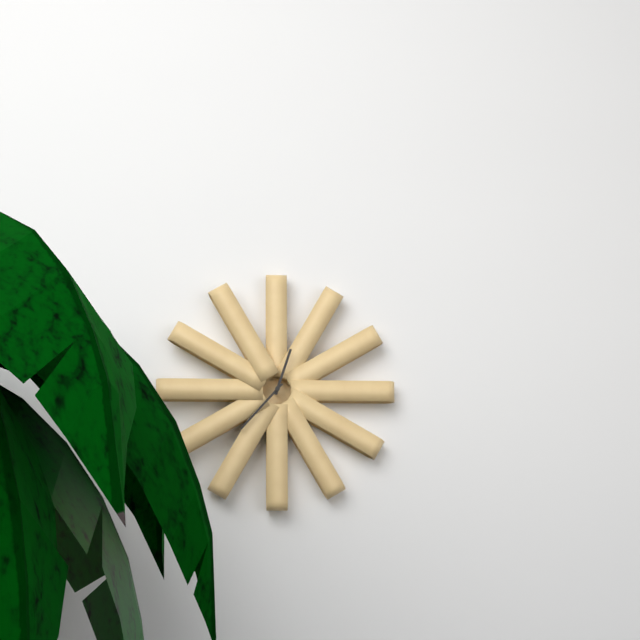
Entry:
h=12 m=37
